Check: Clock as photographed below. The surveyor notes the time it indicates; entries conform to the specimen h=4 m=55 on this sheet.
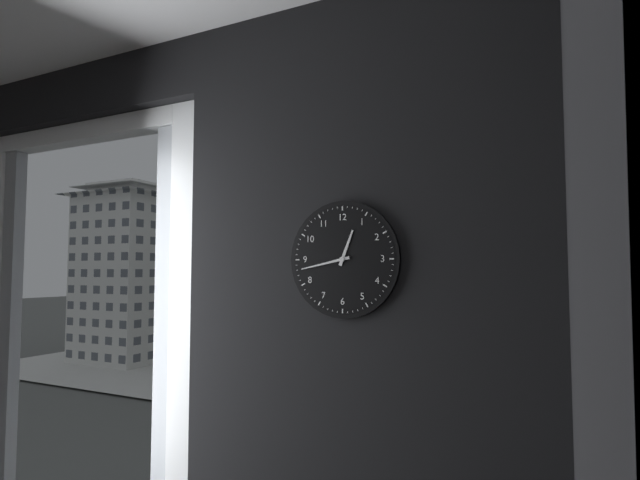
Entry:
h=12 m=43
